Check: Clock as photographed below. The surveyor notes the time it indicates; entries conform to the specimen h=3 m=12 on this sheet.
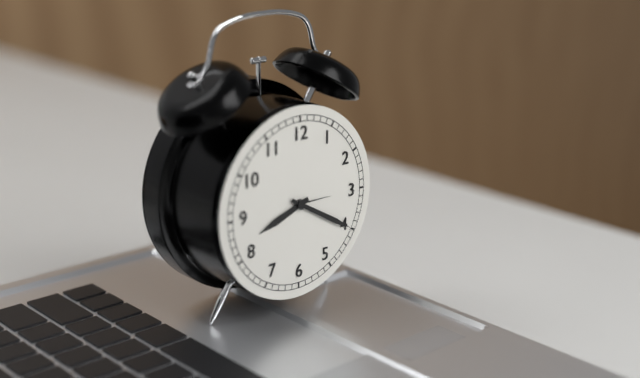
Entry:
h=8 m=20
